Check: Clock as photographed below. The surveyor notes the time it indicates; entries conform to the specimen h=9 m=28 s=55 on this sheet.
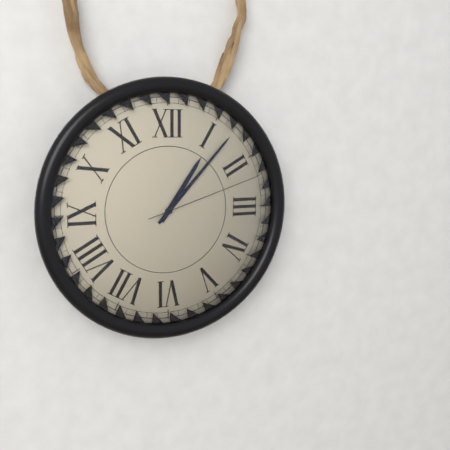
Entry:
h=1 m=7 s=12
